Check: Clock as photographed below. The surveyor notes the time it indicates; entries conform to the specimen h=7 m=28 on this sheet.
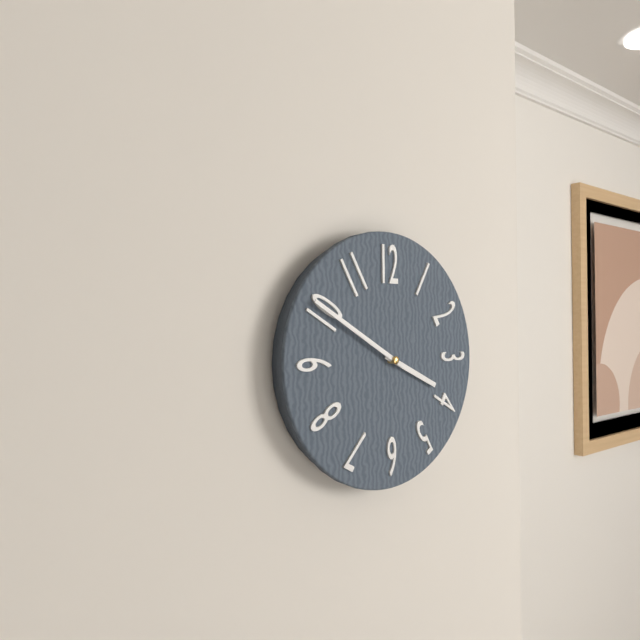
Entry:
h=3 m=50
